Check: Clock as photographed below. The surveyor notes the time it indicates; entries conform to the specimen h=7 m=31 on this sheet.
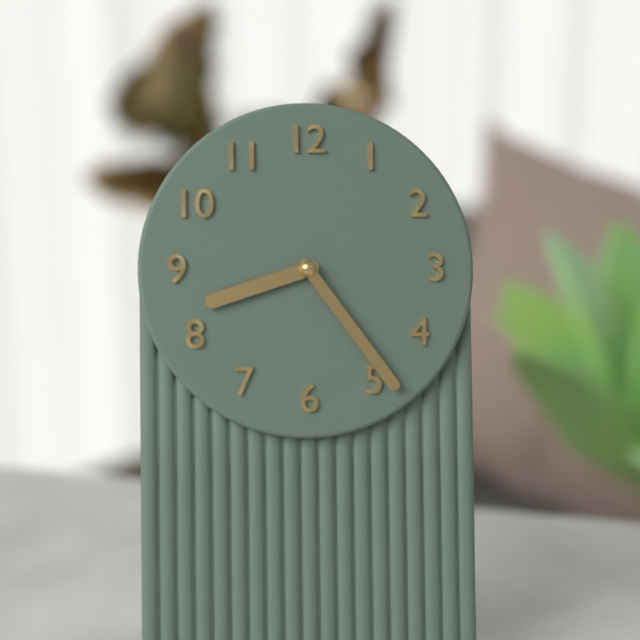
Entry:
h=8 m=24
